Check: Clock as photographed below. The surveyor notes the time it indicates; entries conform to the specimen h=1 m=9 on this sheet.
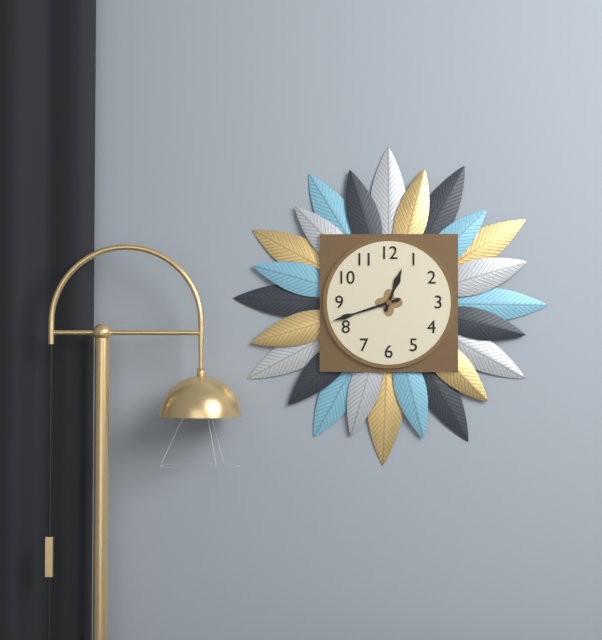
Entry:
h=12 m=42
